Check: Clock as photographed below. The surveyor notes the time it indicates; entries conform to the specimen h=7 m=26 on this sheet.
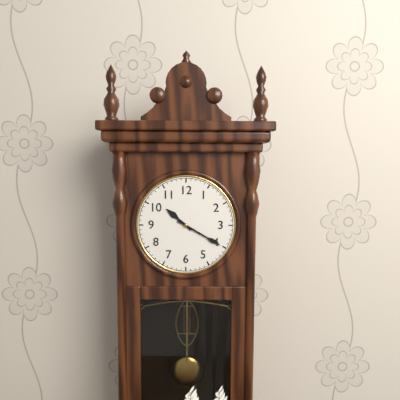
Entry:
h=10 m=20
